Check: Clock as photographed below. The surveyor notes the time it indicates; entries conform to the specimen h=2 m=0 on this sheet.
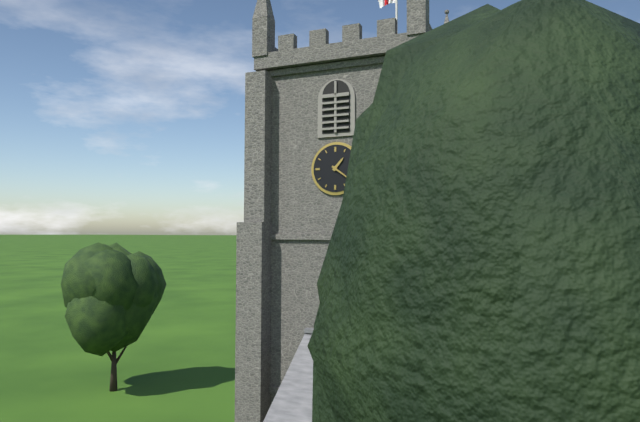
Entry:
h=1 m=21
